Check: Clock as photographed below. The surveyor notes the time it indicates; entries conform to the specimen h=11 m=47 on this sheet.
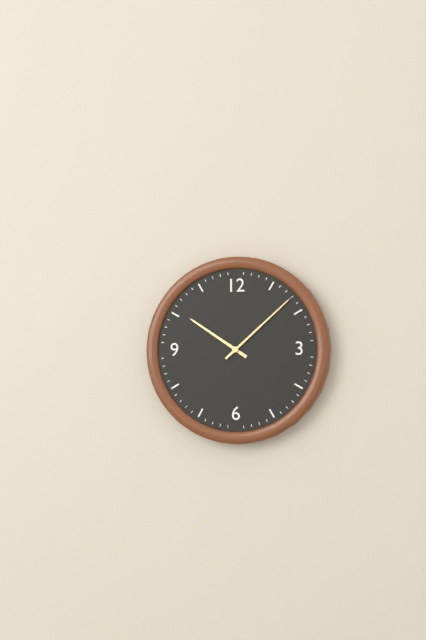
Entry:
h=10 m=8
